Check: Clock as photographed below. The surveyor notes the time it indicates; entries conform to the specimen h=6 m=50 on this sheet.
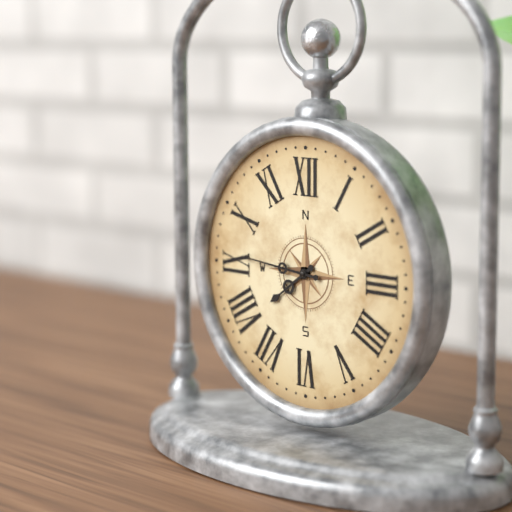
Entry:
h=7 m=46
